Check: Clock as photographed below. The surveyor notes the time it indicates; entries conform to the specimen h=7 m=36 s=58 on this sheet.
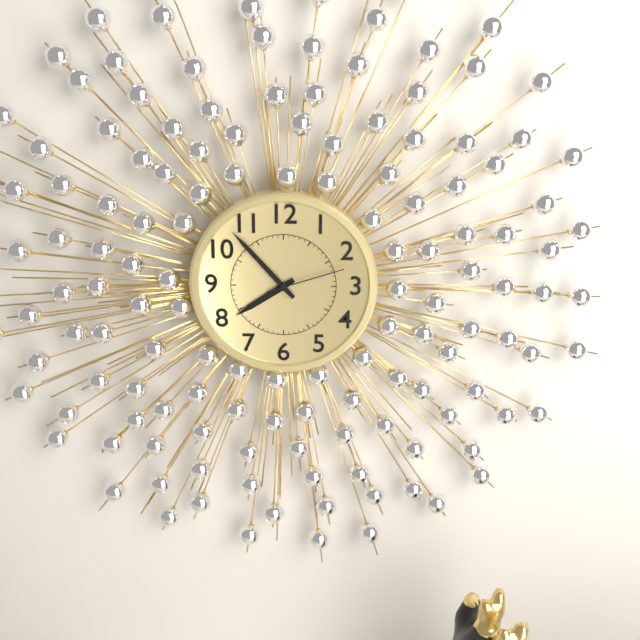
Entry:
h=7 m=53 s=12
